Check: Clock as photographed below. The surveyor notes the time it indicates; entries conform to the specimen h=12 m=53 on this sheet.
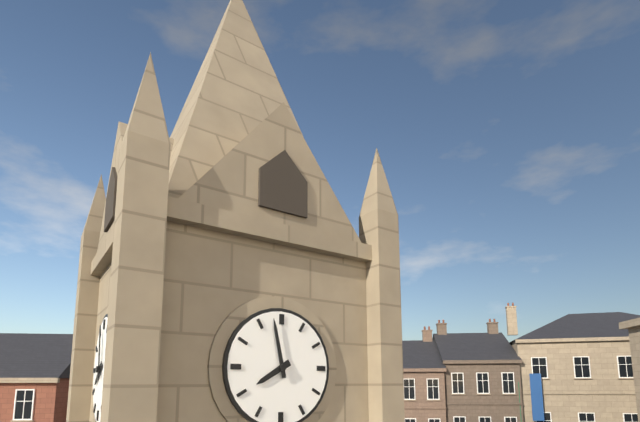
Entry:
h=7 m=58
